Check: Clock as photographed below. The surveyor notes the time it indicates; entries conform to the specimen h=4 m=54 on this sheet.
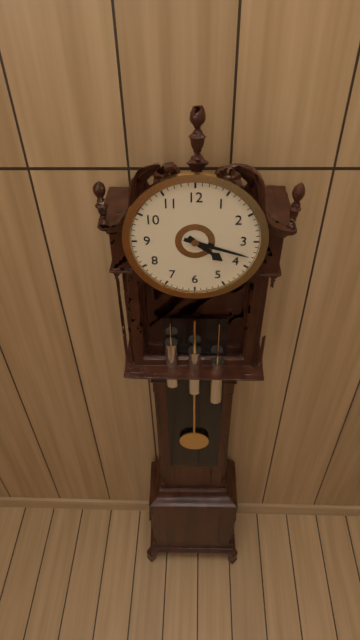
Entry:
h=4 m=18
